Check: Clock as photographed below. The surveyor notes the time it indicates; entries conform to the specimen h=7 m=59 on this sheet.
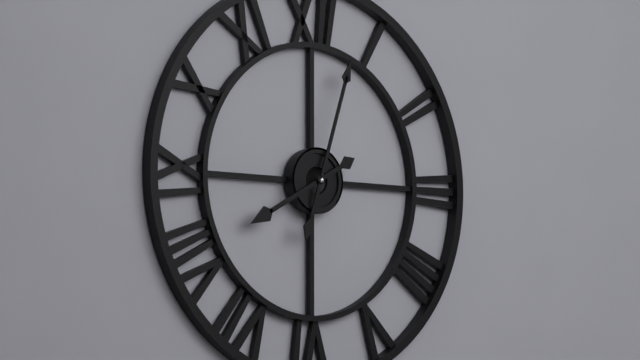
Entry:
h=8 m=3
